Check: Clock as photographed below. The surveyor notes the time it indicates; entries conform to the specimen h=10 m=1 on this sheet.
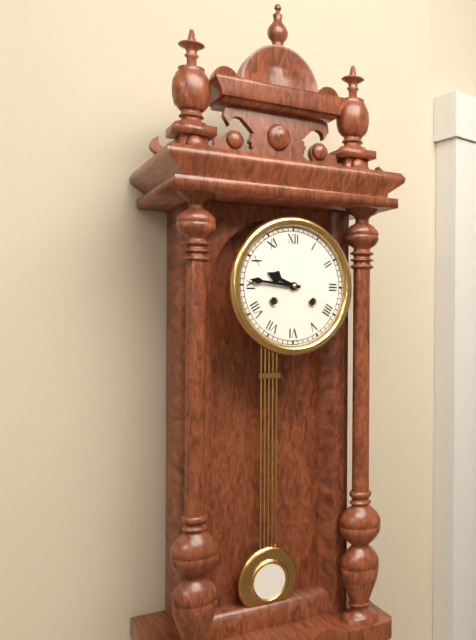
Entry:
h=9 m=46
